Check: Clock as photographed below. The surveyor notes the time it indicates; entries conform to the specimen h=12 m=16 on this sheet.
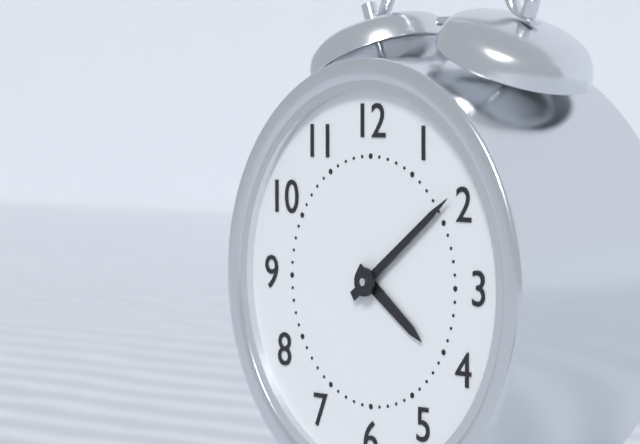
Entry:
h=4 m=9
